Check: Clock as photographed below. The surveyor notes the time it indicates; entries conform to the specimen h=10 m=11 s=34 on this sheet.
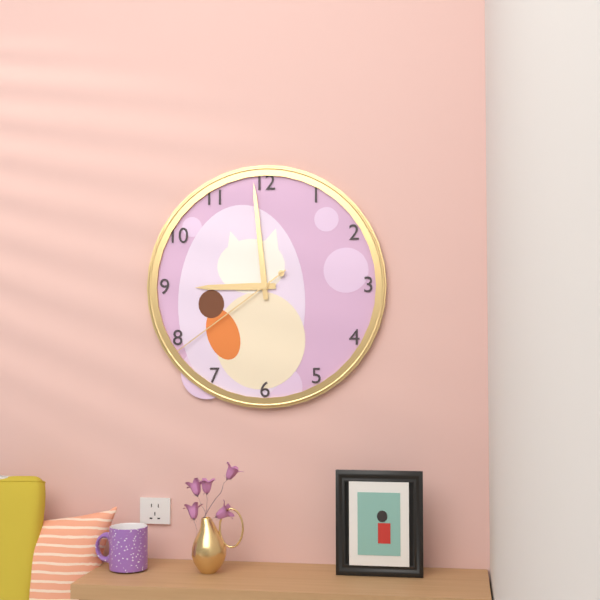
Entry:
h=8 m=59 s=39
